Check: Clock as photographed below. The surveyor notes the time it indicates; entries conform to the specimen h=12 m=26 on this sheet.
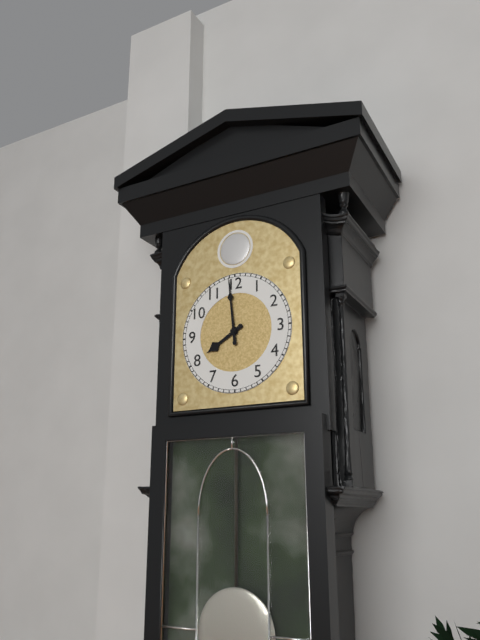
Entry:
h=7 m=59
